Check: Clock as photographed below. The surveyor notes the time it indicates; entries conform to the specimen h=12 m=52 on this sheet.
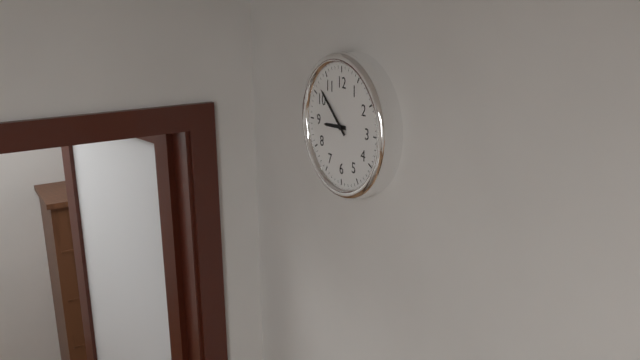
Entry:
h=8 m=52
